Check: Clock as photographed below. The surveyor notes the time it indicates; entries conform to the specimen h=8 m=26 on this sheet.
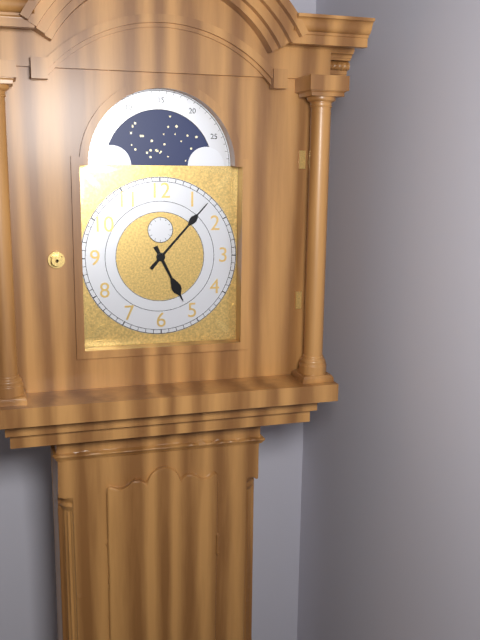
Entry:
h=5 m=7
